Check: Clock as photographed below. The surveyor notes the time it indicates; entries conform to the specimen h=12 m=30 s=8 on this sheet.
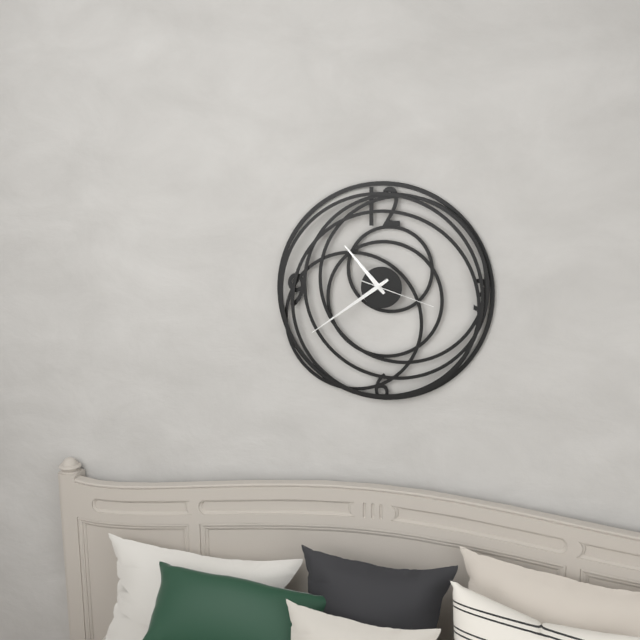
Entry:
h=10 m=39 s=18
